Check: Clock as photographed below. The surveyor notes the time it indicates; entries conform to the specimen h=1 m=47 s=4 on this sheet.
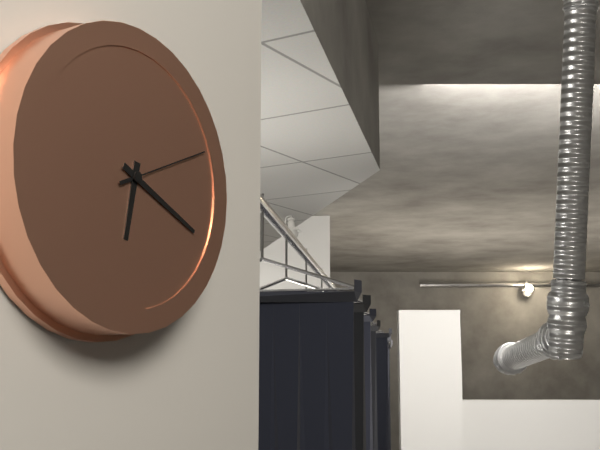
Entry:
h=6 m=19 s=11
